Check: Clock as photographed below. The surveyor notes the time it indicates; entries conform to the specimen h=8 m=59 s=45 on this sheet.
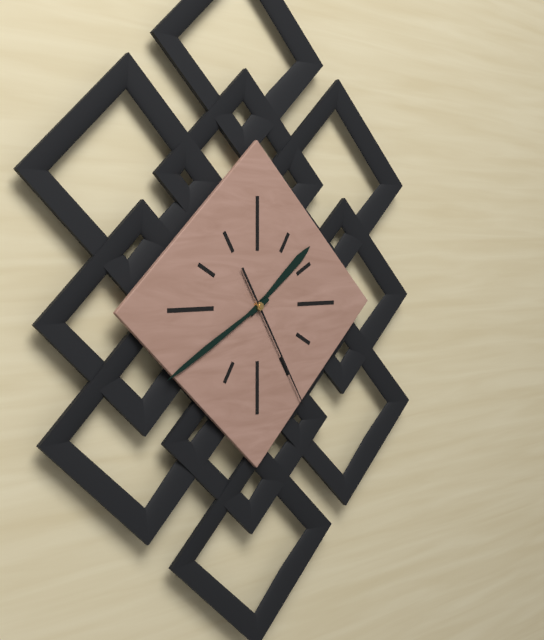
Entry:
h=1 m=40 s=25
